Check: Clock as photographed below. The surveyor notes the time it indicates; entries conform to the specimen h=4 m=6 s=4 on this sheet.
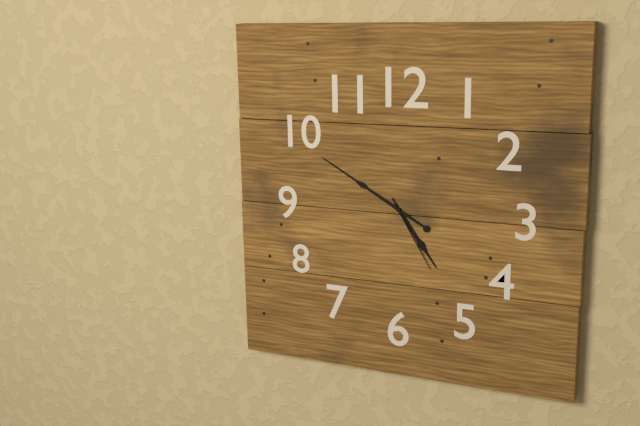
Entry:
h=4 m=50 s=25
